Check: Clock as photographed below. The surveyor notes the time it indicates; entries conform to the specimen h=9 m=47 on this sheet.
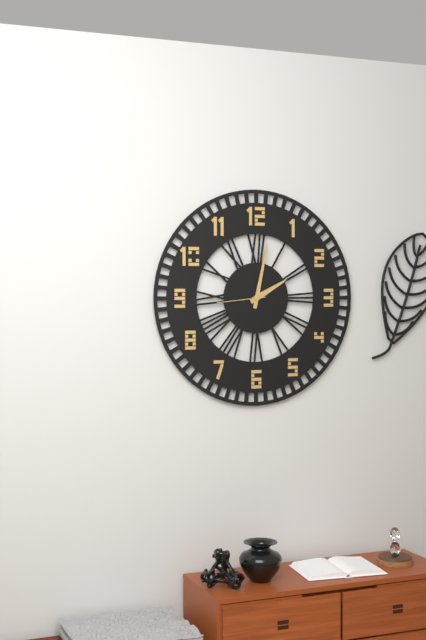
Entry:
h=2 m=2
